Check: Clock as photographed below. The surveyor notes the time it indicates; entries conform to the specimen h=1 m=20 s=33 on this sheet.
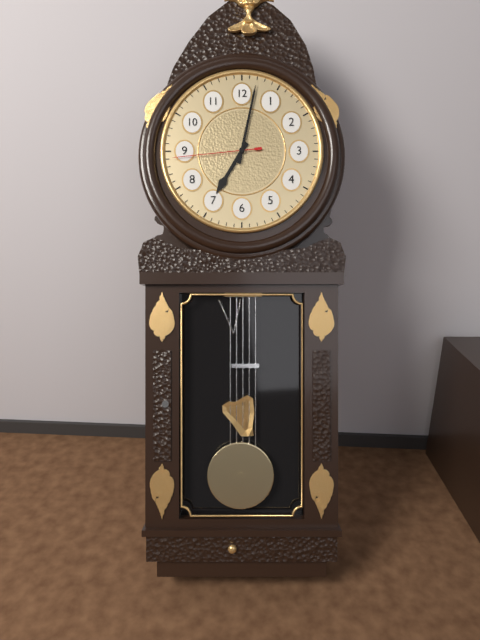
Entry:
h=7 m=2 s=44
